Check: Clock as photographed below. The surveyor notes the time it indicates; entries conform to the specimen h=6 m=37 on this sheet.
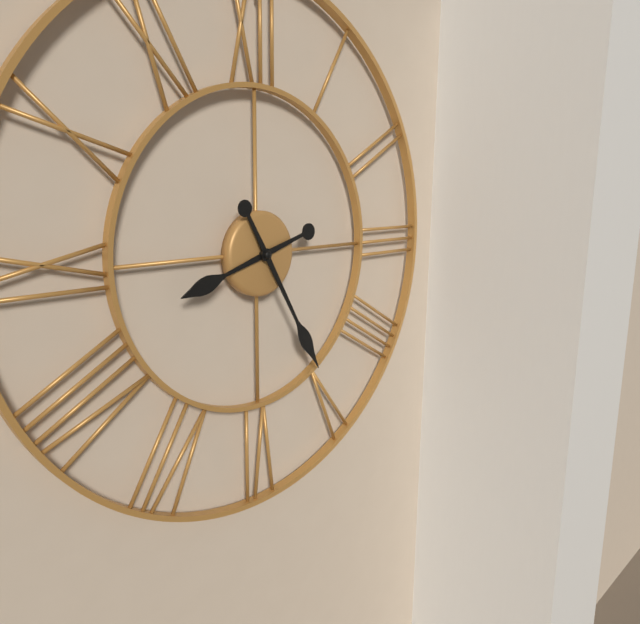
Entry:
h=8 m=25
